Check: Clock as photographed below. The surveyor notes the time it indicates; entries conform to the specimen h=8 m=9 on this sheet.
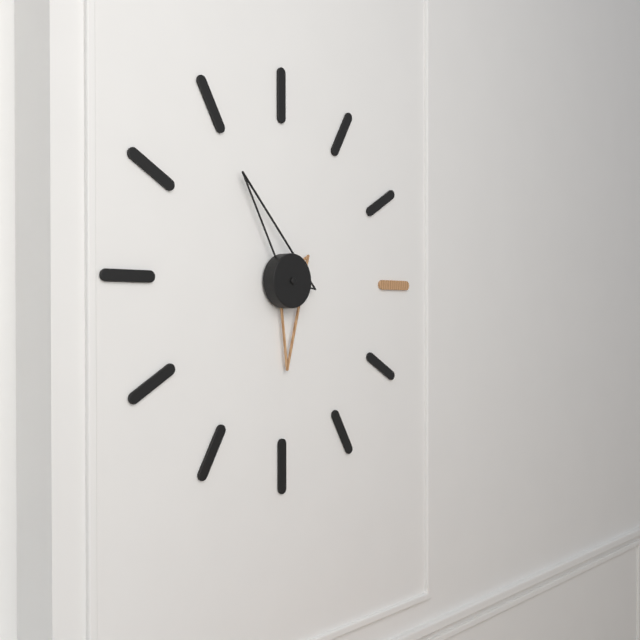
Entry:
h=5 m=55
